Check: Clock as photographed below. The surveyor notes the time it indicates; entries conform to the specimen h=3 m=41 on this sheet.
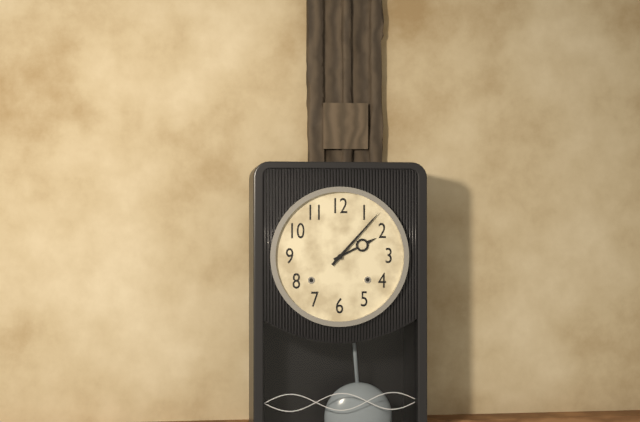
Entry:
h=2 m=7
